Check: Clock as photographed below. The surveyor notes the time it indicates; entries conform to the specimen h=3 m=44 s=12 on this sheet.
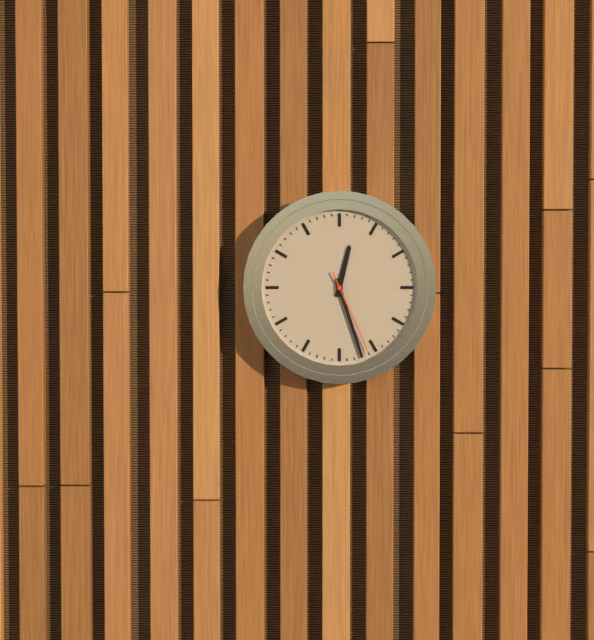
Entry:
h=12 m=27 s=26
